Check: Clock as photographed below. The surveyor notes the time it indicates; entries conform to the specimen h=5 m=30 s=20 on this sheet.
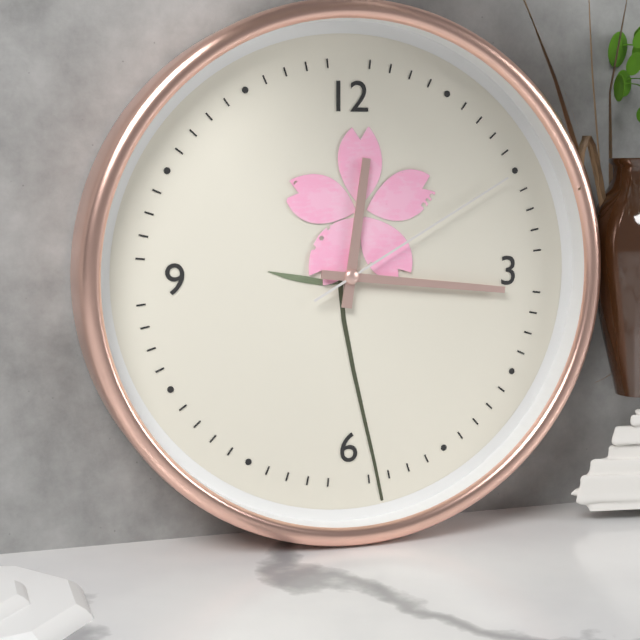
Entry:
h=12 m=16 s=10
